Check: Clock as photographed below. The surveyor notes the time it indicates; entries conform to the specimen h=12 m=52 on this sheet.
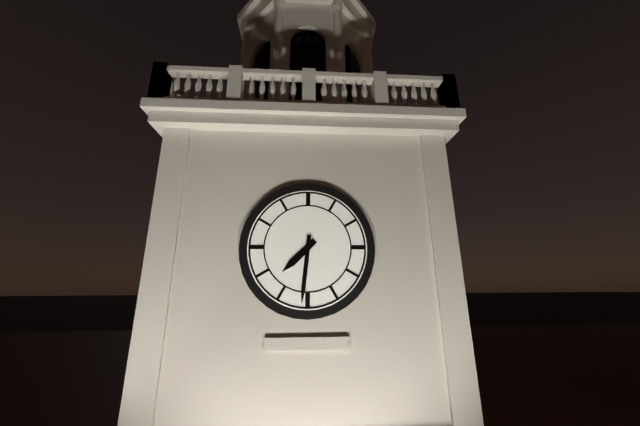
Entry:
h=7 m=31
